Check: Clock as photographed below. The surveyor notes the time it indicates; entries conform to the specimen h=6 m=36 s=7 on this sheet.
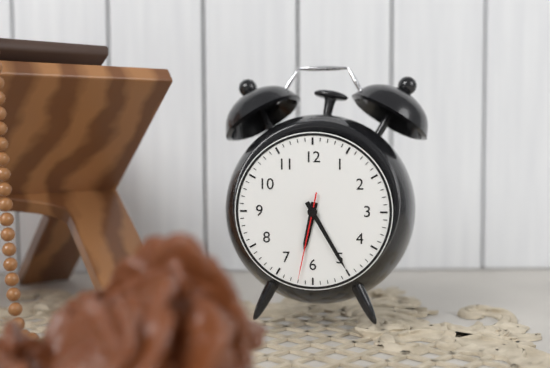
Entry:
h=6 m=25 s=32
